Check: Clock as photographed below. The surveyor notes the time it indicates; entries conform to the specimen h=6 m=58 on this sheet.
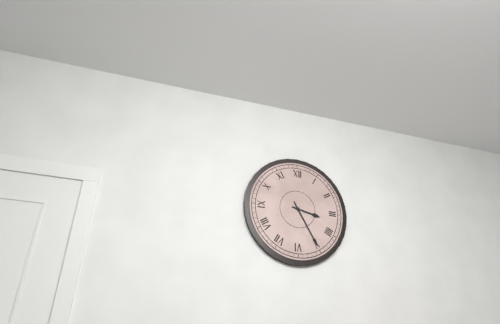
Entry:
h=3 m=25
